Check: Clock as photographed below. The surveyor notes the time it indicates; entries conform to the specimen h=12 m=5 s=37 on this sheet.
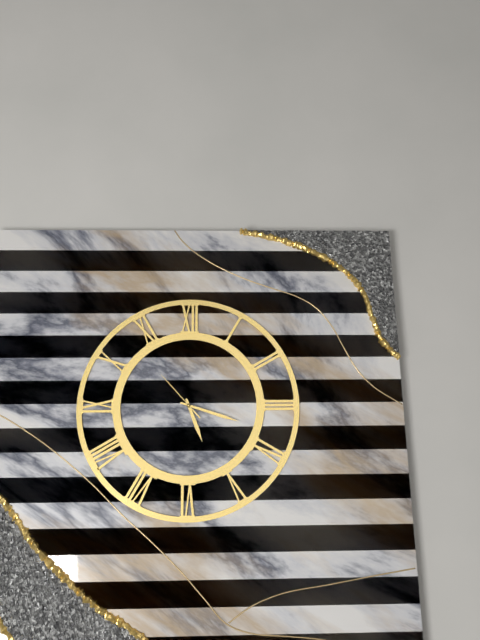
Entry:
h=5 m=18 s=53
